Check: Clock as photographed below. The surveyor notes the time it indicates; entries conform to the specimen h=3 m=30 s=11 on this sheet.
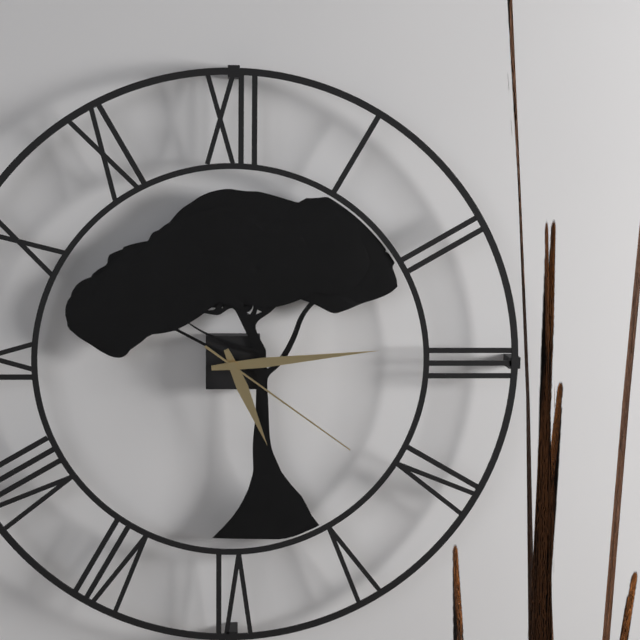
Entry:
h=5 m=14 s=21
